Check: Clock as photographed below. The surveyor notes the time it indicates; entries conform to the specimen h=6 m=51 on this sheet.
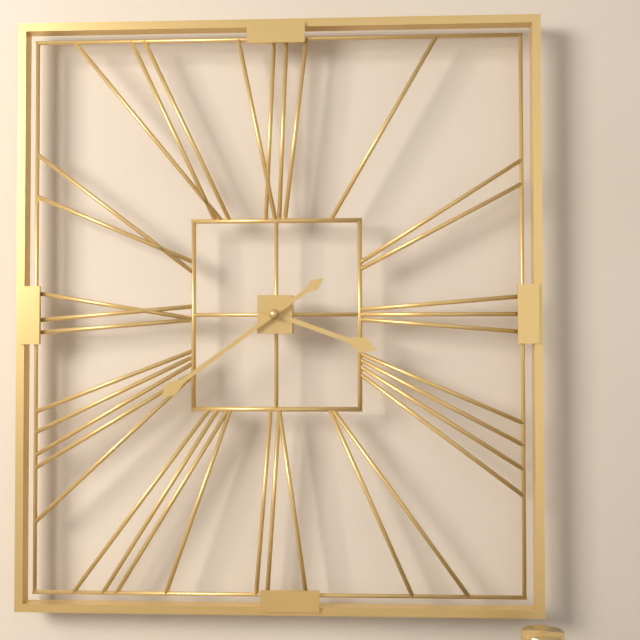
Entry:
h=3 m=39
